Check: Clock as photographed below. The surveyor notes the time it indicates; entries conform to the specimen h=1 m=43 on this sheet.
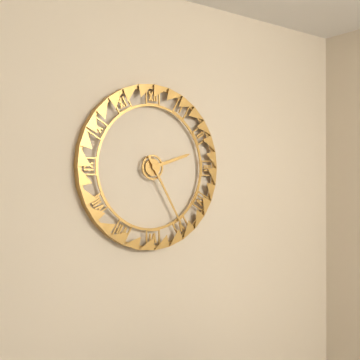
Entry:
h=2 m=25
